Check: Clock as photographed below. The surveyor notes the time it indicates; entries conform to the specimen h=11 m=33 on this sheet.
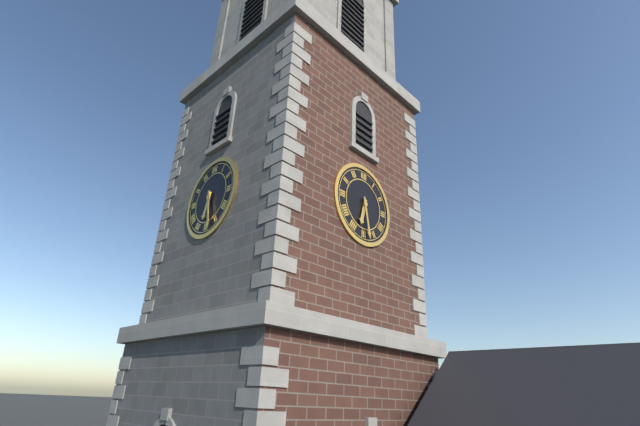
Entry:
h=6 m=28
